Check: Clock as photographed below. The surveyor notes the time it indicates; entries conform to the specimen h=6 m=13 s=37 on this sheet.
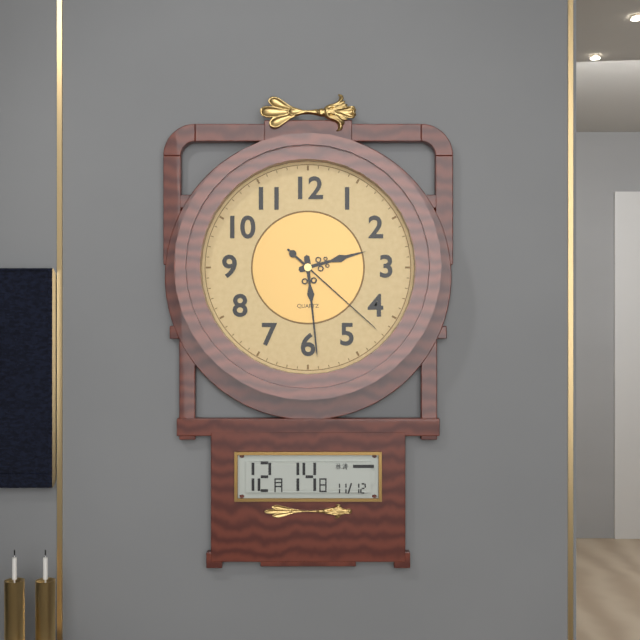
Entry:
h=2 m=29 s=22
